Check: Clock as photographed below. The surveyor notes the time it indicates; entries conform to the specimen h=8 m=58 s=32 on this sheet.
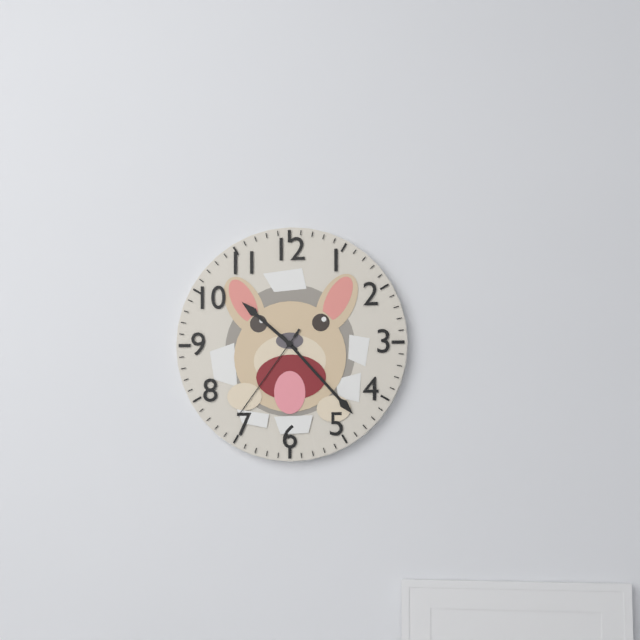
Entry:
h=10 m=23 s=36
